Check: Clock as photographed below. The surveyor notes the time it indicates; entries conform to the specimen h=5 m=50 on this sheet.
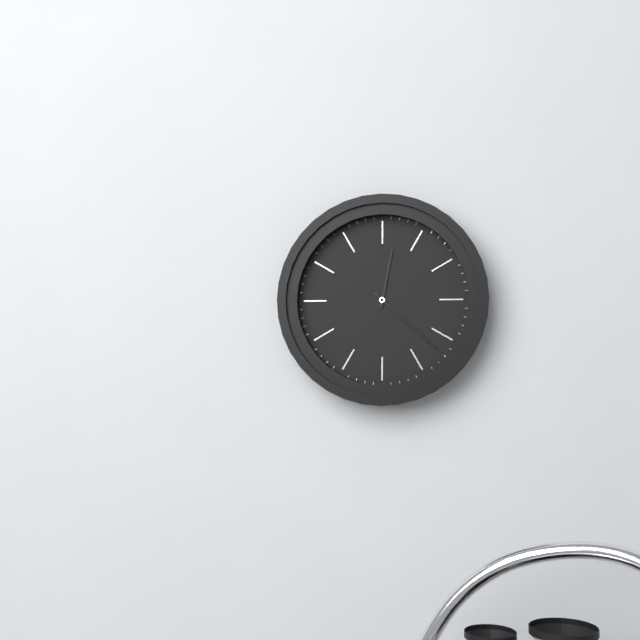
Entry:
h=12 m=22
